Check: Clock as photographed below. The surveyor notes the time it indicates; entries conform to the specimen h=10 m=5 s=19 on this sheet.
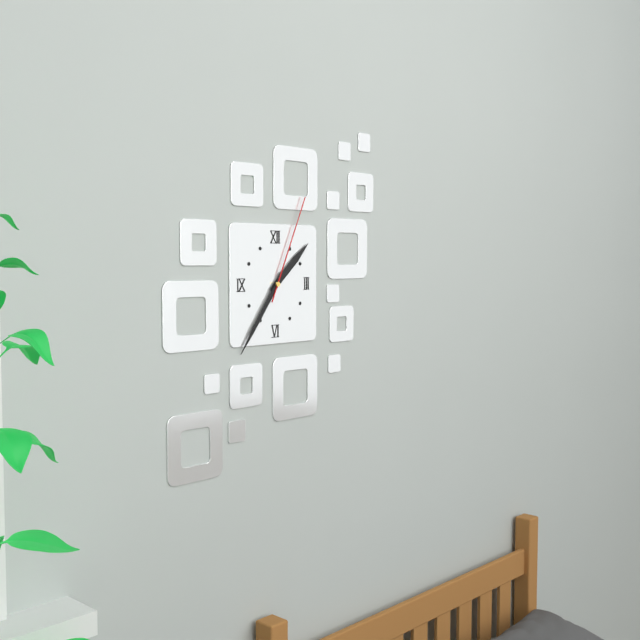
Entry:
h=1 m=36 s=4
